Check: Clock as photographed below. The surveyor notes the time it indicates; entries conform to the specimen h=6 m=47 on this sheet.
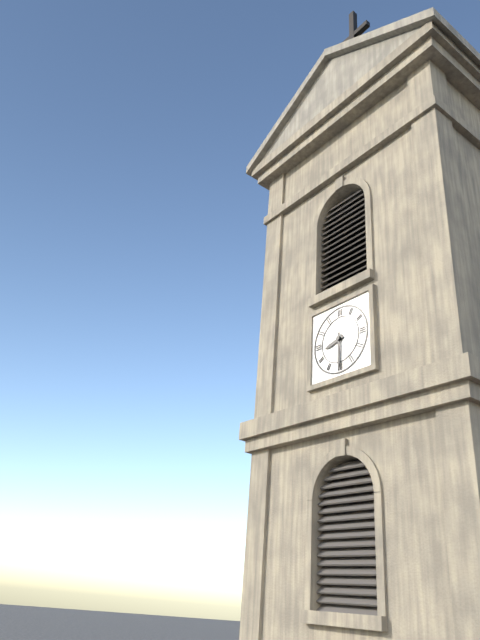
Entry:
h=8 m=30
